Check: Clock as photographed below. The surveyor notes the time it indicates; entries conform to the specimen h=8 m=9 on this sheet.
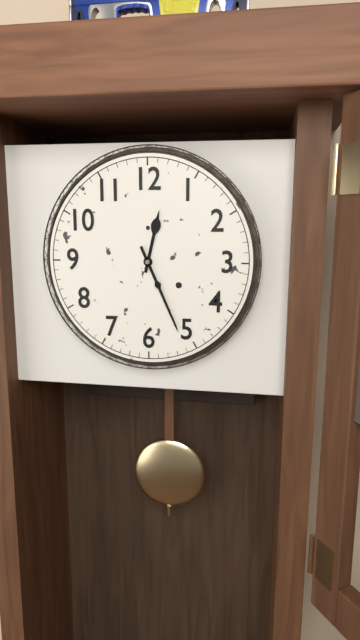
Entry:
h=12 m=26
